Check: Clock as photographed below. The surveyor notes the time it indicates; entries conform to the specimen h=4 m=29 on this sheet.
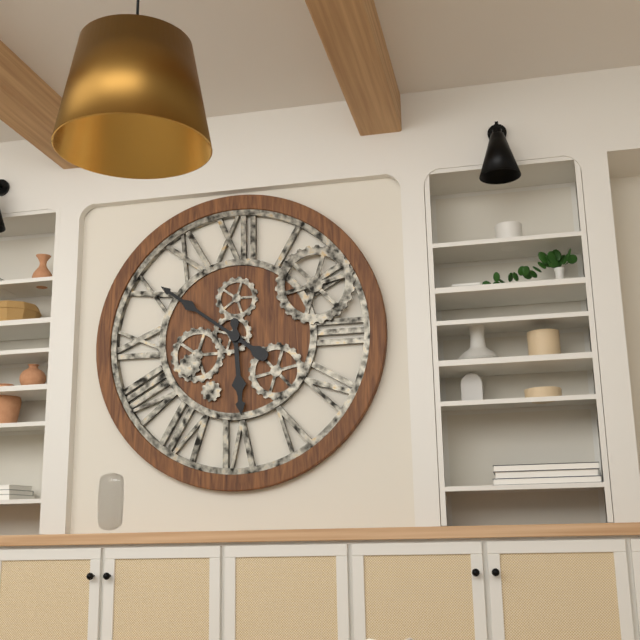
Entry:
h=5 m=51
